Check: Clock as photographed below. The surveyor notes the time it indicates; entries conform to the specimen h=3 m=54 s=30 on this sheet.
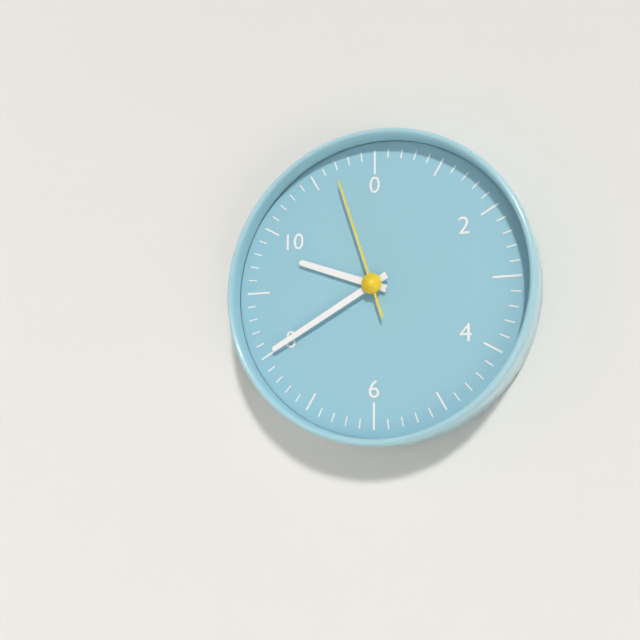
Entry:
h=9 m=40 s=57
